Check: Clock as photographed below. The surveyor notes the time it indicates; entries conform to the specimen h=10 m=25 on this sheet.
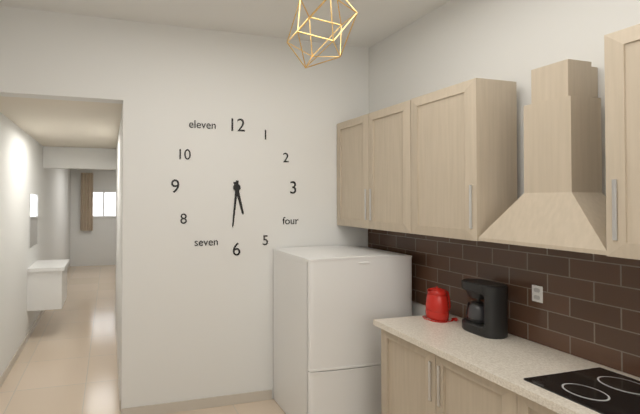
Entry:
h=5 m=31
